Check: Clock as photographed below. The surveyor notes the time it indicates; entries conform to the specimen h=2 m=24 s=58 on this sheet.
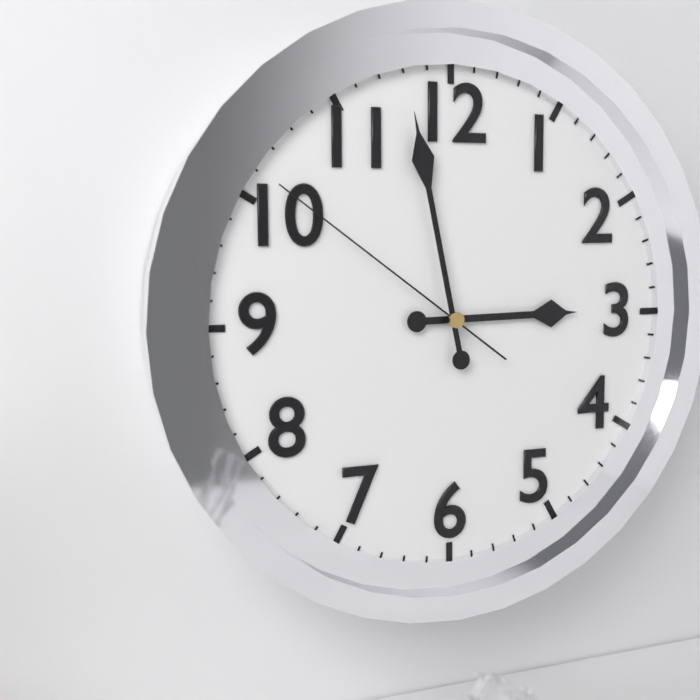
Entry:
h=2 m=58 s=51
